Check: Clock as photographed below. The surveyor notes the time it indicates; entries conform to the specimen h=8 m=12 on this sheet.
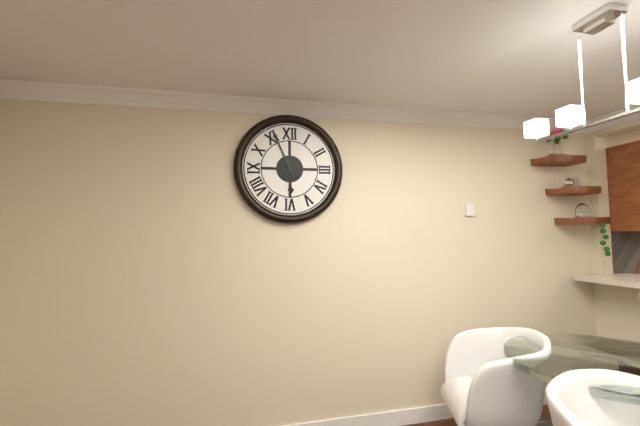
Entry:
h=5 m=56
